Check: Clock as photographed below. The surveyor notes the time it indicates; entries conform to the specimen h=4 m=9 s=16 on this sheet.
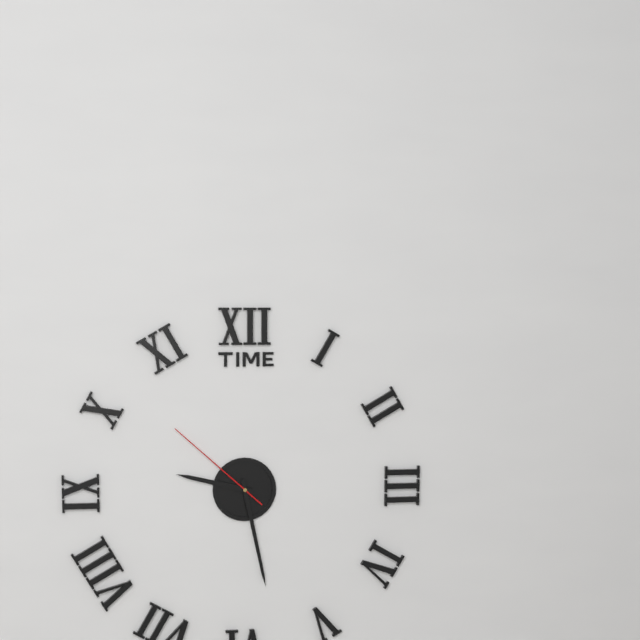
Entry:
h=9 m=28 s=52
